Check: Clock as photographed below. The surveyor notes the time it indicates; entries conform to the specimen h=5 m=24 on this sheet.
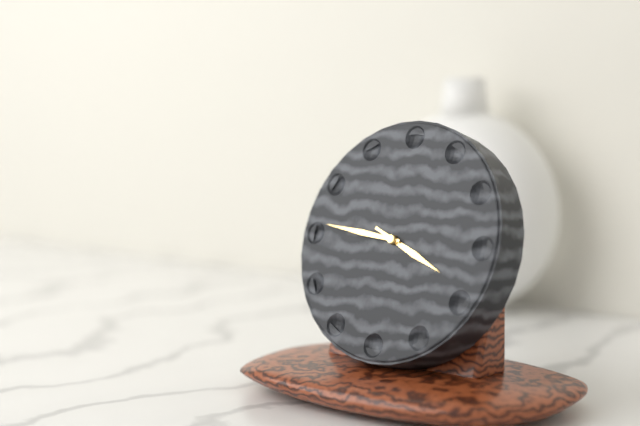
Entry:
h=3 m=46
